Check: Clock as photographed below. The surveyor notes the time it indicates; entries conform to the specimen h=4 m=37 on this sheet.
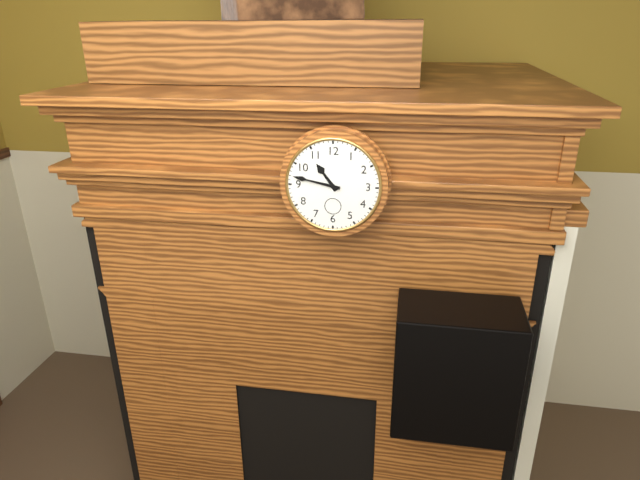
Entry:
h=10 m=47
